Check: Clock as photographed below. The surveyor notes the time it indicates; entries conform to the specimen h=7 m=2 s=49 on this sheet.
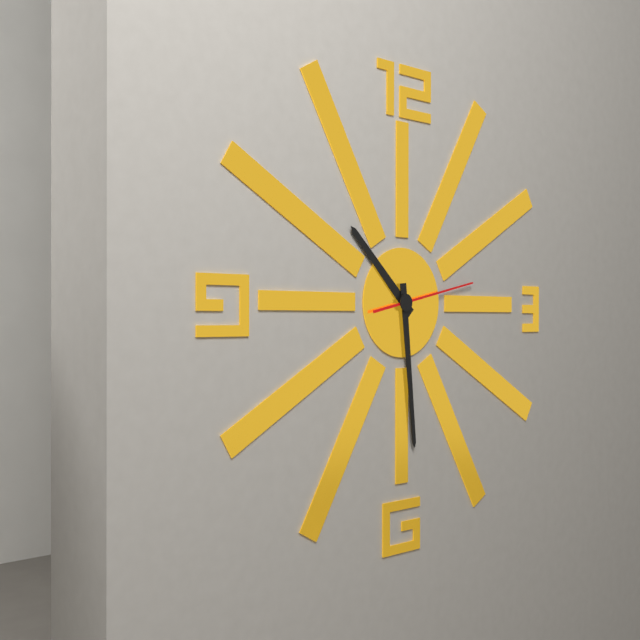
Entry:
h=10 m=29 s=13
